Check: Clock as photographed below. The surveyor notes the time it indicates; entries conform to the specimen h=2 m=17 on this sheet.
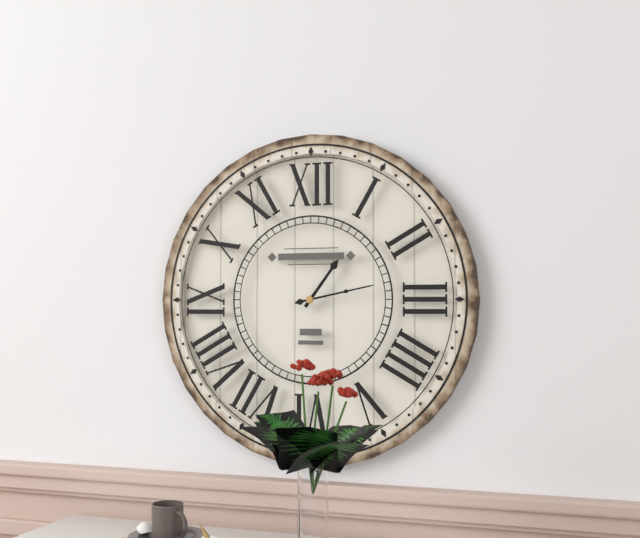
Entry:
h=1 m=13
